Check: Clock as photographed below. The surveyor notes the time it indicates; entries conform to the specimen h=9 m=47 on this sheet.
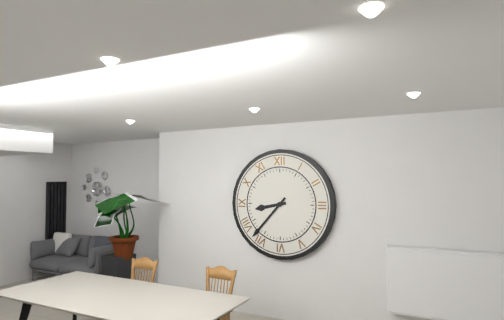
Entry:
h=8 m=37
